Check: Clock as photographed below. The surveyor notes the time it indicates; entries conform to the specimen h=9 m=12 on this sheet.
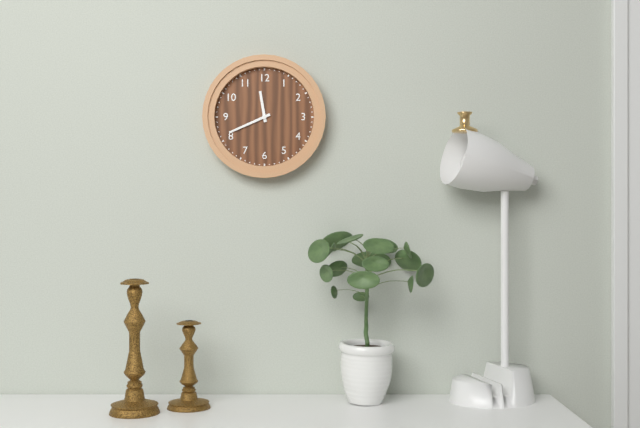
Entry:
h=11 m=41
